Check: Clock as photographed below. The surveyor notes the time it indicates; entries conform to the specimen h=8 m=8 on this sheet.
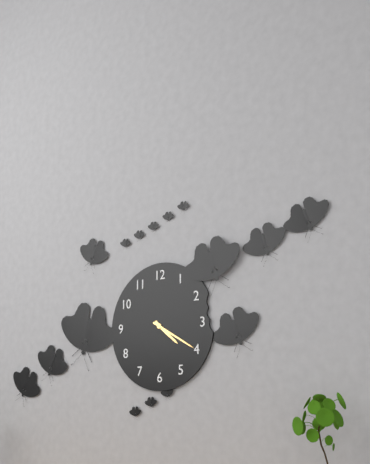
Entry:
h=4 m=20
